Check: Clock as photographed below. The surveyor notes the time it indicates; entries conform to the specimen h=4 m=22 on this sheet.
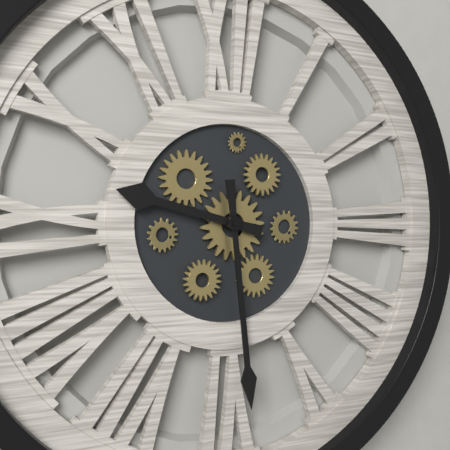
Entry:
h=9 m=29
